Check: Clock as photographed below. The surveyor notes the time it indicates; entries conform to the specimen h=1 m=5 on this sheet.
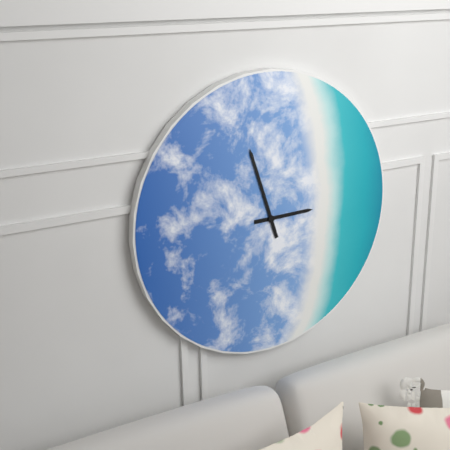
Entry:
h=2 m=57
